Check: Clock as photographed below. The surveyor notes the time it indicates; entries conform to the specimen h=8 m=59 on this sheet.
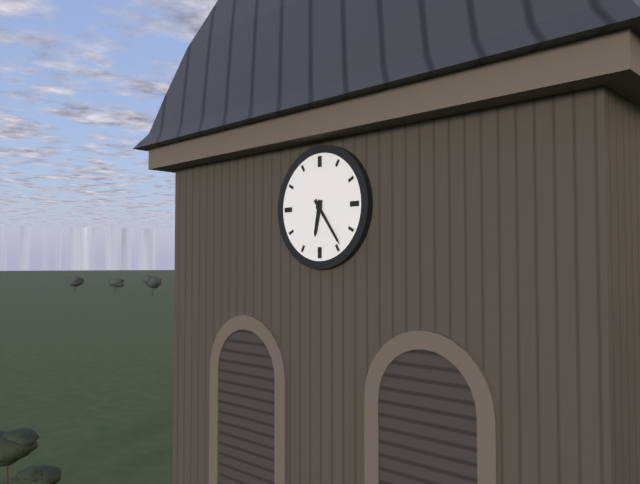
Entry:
h=6 m=24
